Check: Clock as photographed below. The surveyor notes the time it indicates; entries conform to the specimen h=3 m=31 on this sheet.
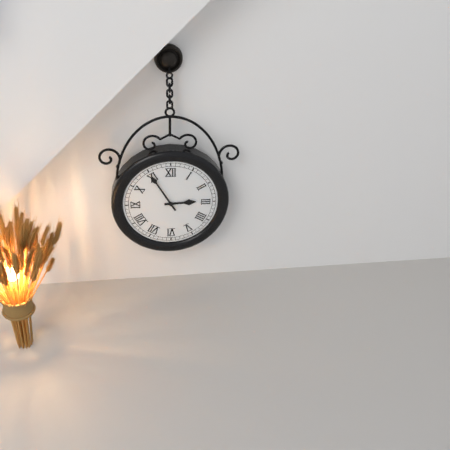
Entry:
h=2 m=55
